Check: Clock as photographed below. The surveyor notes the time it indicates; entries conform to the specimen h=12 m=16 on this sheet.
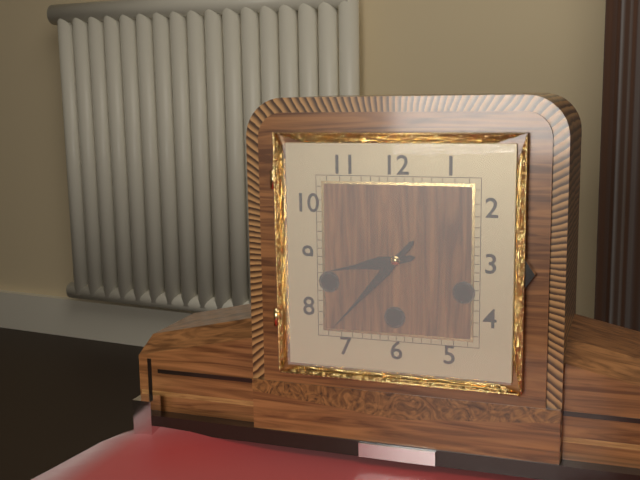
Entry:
h=8 m=37
